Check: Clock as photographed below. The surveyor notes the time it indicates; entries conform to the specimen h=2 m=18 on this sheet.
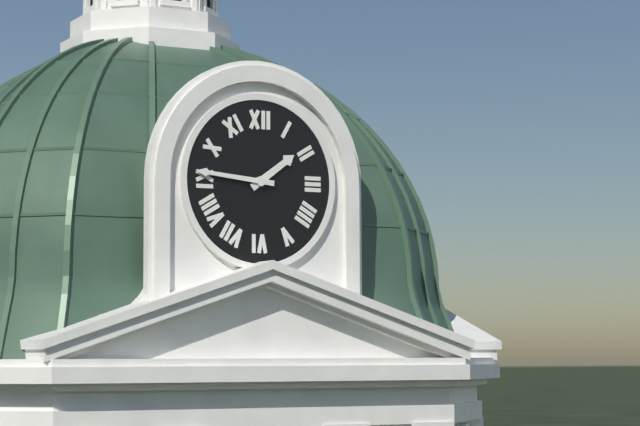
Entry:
h=1 m=46
